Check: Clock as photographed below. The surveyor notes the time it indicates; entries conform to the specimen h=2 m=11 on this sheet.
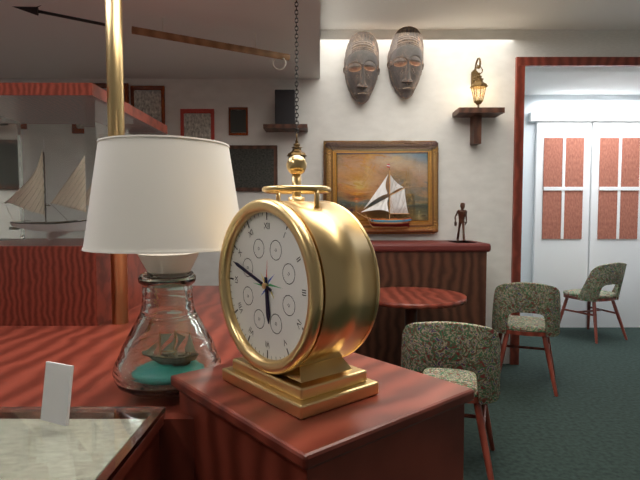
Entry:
h=5 m=48
